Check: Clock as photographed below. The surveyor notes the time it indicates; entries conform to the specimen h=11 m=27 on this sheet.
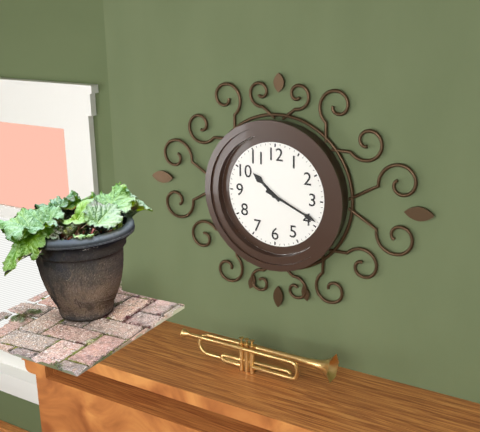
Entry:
h=10 m=19
